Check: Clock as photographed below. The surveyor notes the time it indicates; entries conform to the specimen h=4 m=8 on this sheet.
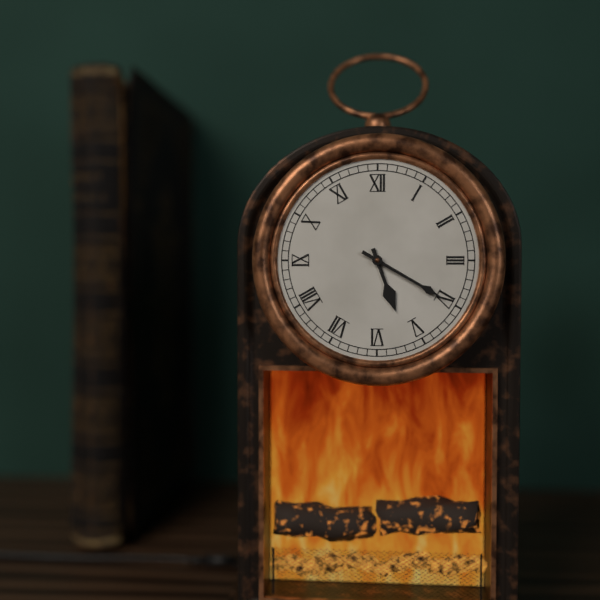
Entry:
h=5 m=20
